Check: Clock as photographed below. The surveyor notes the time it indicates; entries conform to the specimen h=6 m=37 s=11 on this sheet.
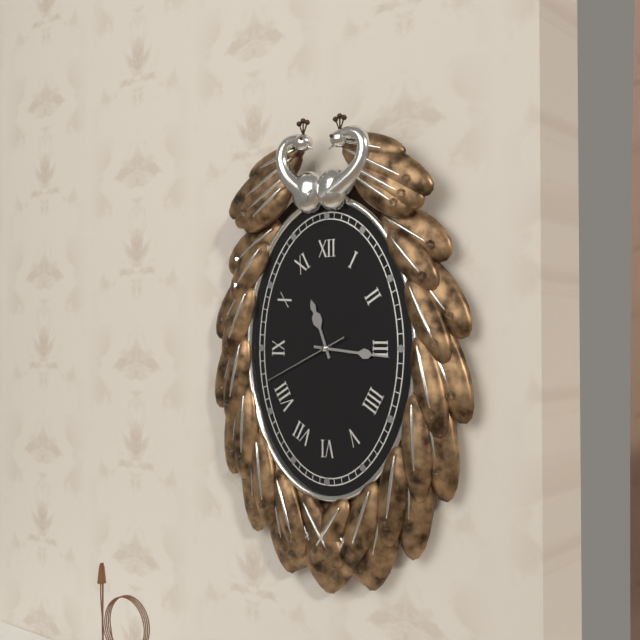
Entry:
h=11 m=16 s=41
